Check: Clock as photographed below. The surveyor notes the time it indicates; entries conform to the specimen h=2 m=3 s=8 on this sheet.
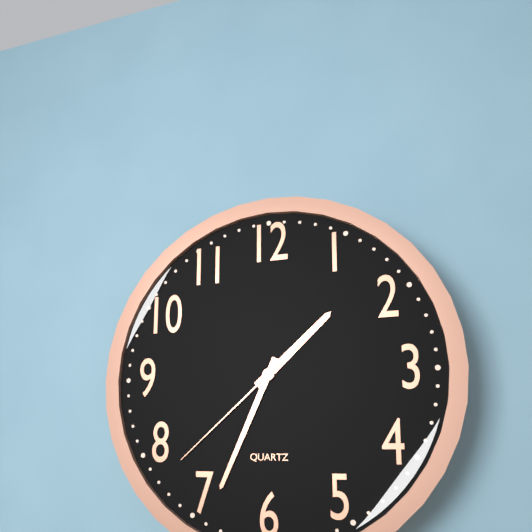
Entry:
h=1 m=34 s=38
